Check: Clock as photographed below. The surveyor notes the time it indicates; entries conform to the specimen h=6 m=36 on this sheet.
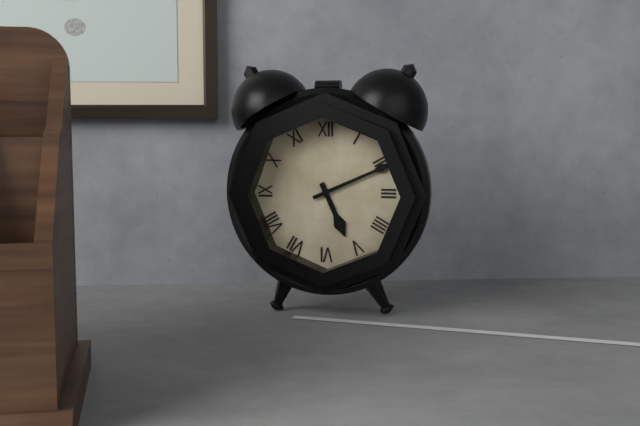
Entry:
h=5 m=11
